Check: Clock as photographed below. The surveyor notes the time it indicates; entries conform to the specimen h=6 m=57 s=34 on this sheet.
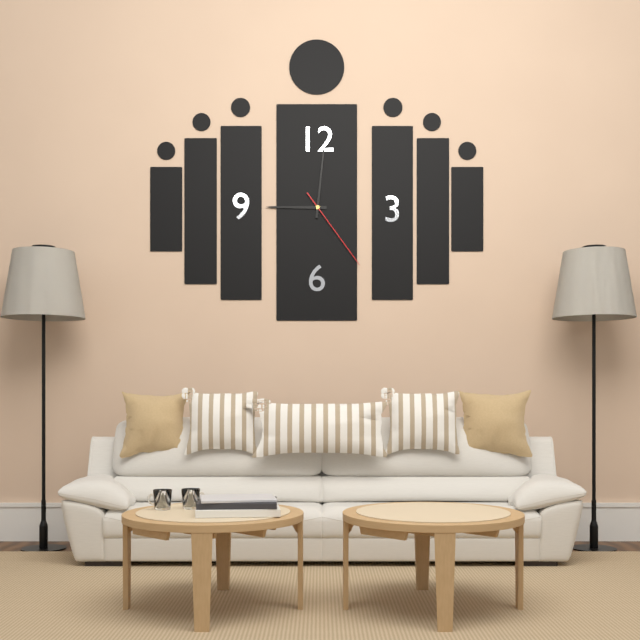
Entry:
h=9 m=1 s=24
